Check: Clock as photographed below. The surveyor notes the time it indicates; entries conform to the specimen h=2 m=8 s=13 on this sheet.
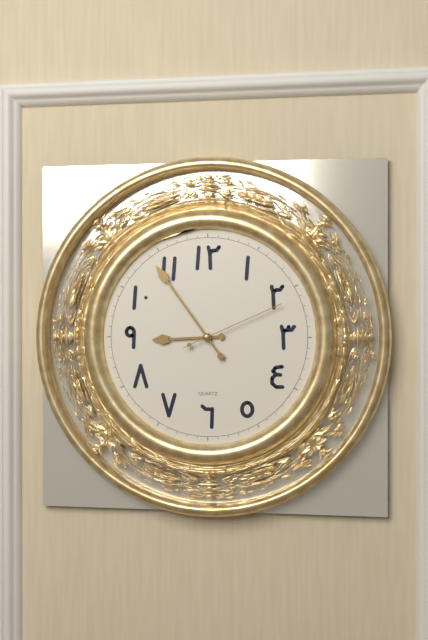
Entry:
h=8 m=54 s=11
